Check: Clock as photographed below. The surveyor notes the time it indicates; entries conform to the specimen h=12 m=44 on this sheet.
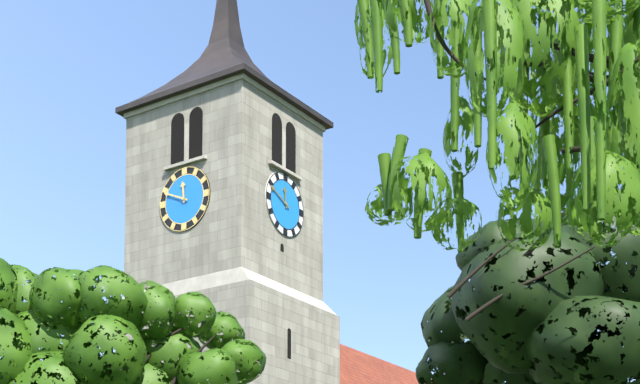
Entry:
h=11 m=49
